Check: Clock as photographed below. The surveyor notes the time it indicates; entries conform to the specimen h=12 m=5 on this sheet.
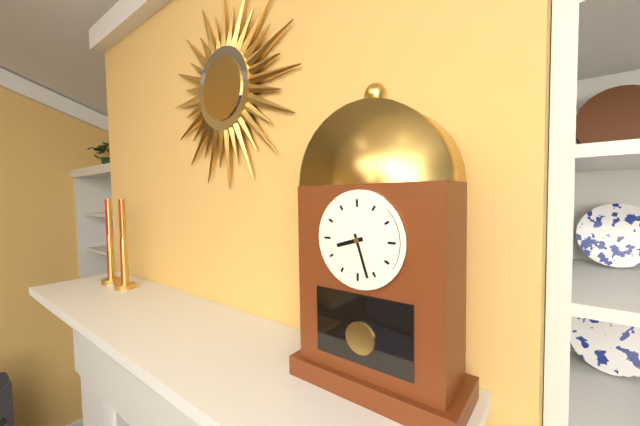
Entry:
h=8 m=27
